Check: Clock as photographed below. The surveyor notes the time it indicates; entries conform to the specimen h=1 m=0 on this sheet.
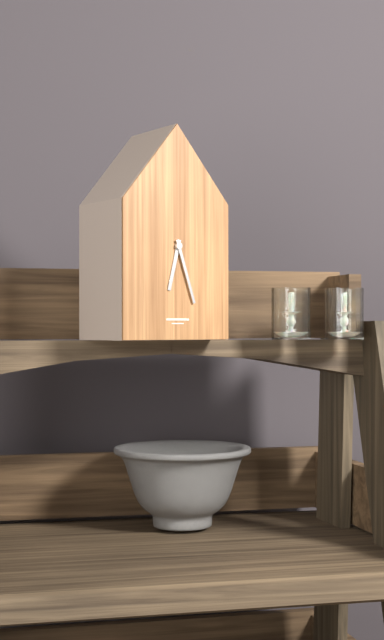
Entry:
h=6 m=27
